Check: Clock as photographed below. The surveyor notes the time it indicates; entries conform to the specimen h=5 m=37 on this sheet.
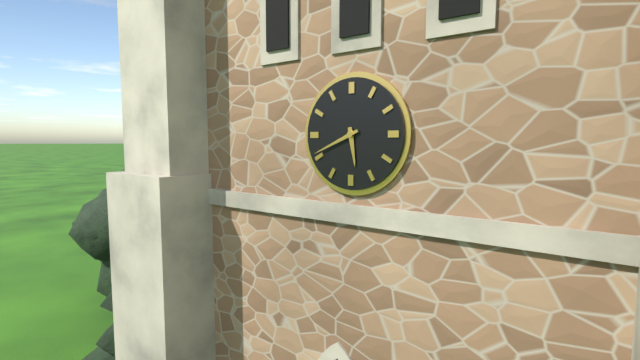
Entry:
h=5 m=41
